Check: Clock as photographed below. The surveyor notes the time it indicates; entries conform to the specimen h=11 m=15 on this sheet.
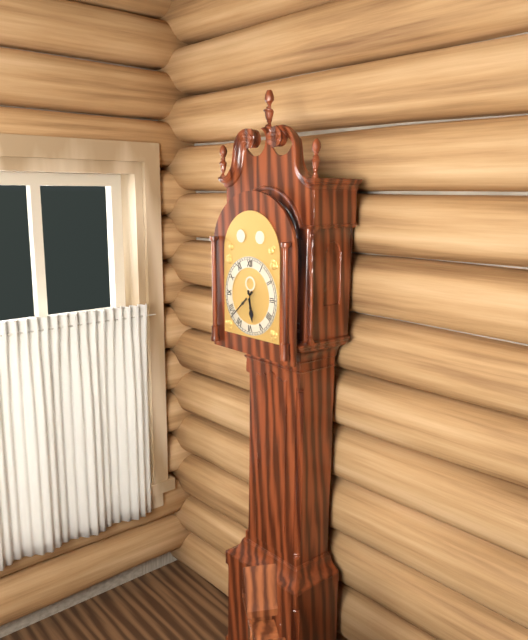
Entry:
h=5 m=38
